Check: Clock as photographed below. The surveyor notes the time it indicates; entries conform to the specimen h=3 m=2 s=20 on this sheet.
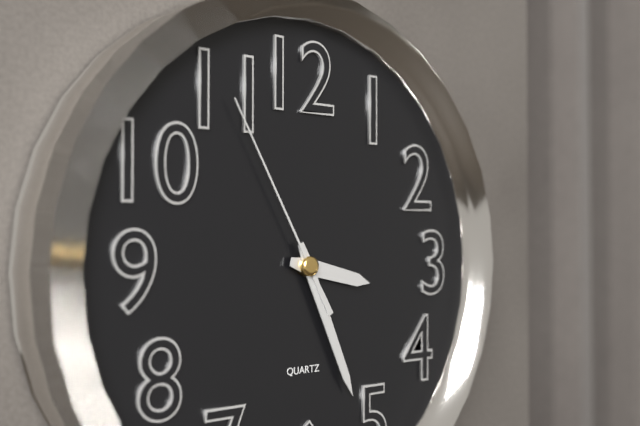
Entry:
h=3 m=26 s=55
